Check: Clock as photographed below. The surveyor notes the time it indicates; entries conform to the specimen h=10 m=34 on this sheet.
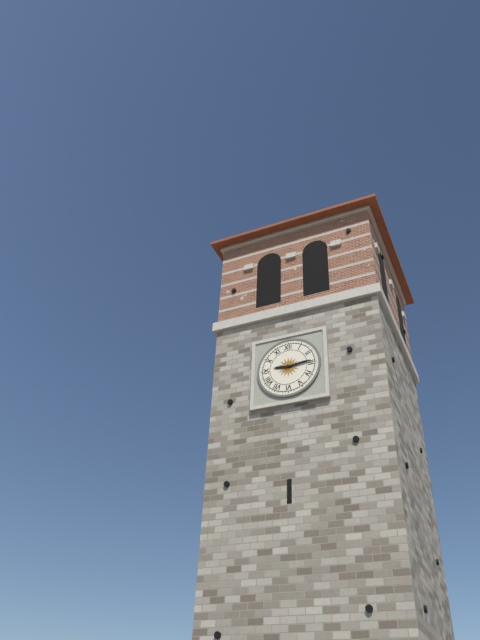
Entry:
h=9 m=14
